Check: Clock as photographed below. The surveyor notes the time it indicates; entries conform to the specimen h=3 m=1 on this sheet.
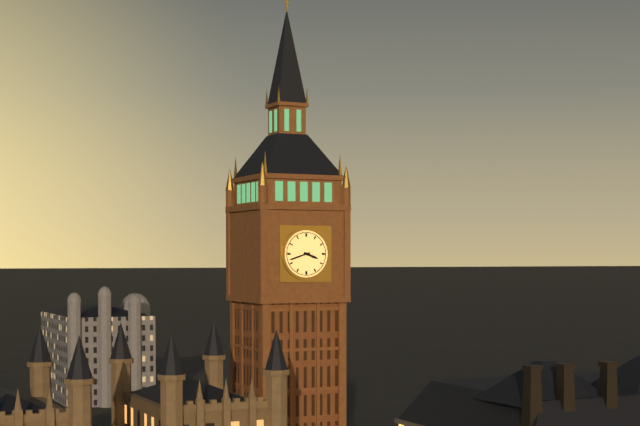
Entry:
h=3 m=42
